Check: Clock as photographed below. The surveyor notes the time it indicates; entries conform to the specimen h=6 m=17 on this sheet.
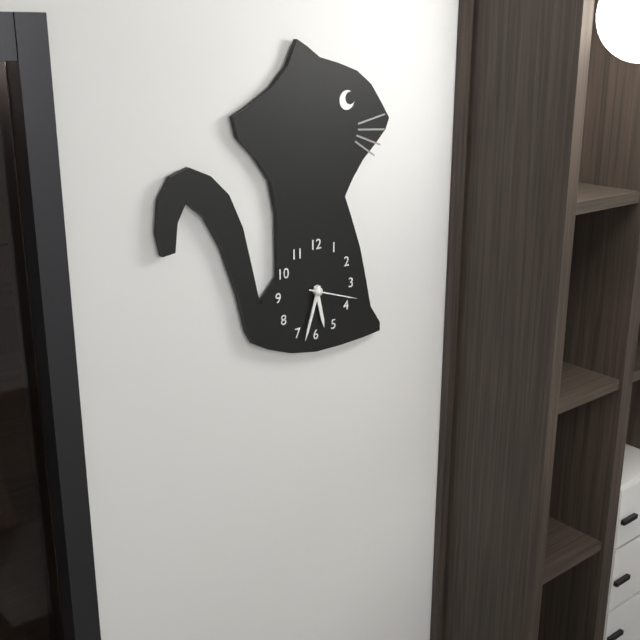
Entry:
h=5 m=33
